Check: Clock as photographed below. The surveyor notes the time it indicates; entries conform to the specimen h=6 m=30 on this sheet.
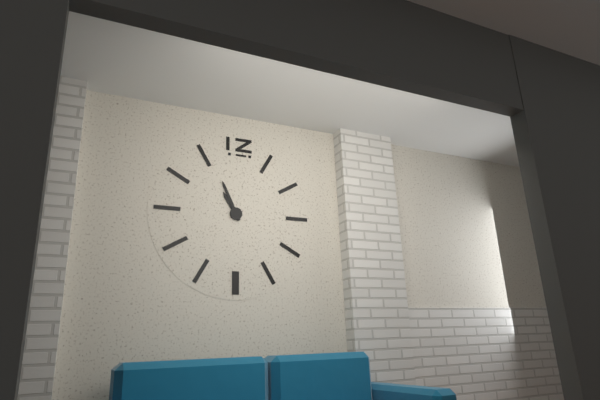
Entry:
h=10 m=56
